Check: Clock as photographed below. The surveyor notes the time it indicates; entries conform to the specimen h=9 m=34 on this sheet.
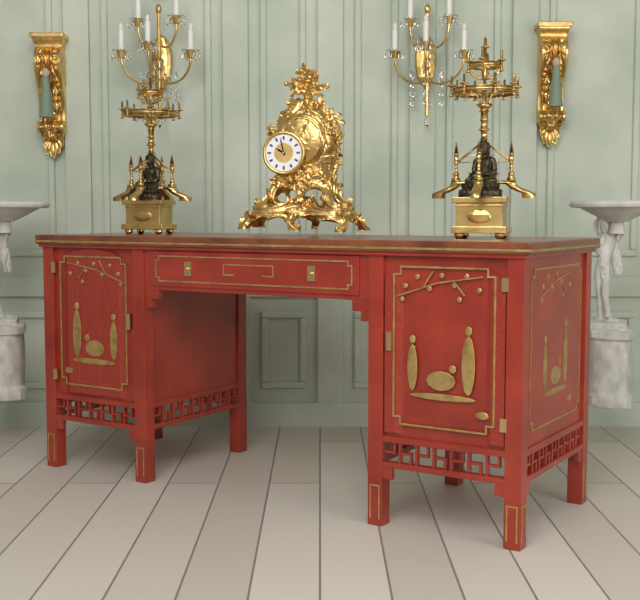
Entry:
h=9 m=58
